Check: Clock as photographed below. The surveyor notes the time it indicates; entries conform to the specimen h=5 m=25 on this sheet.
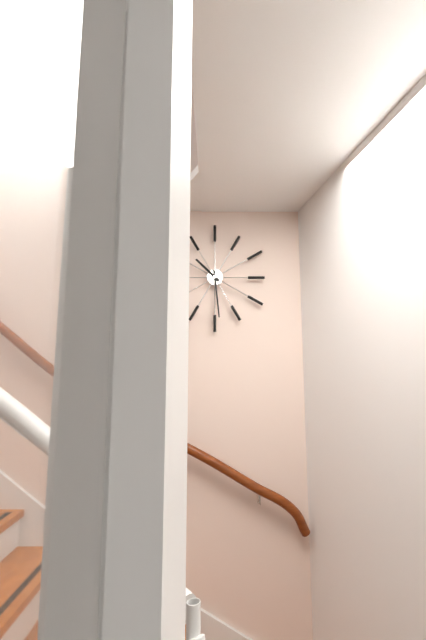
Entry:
h=10 m=29
